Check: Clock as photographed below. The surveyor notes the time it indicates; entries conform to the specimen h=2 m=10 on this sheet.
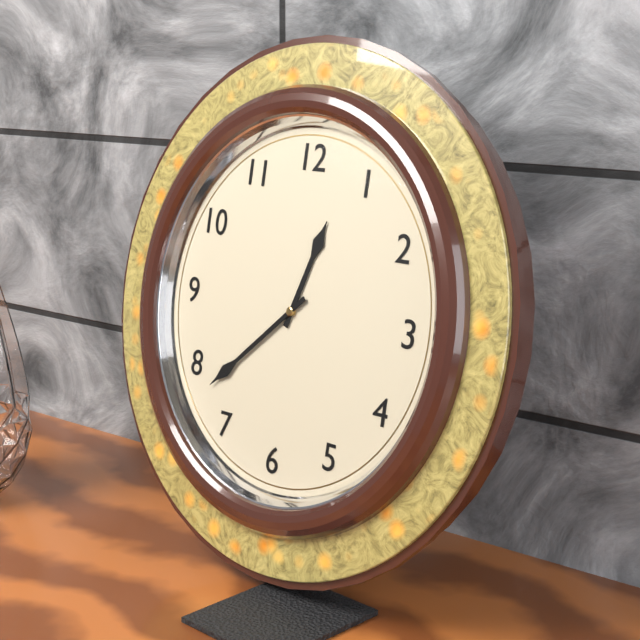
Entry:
h=12 m=38
